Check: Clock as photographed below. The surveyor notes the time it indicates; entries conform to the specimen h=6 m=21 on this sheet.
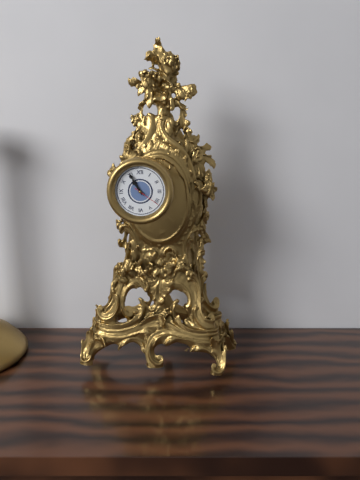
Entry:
h=10 m=55
